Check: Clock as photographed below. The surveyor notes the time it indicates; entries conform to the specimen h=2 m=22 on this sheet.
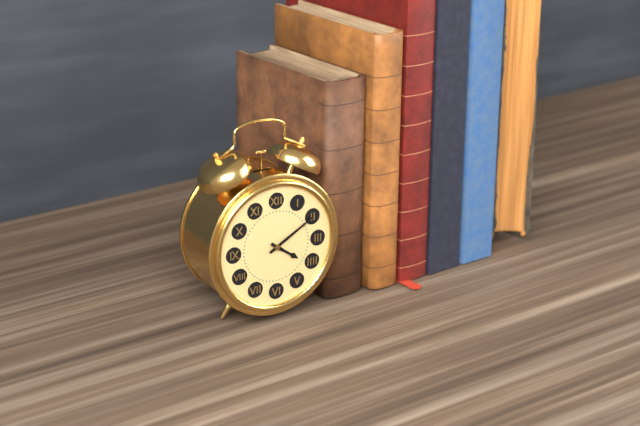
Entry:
h=4 m=10
